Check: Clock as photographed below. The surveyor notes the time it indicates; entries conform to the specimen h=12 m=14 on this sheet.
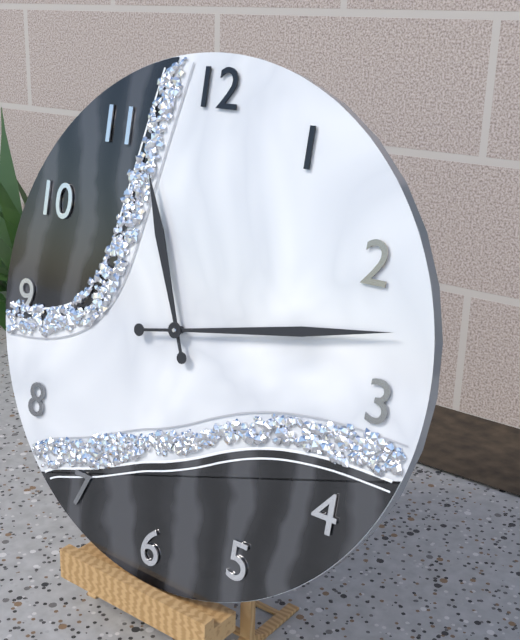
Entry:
h=11 m=13
